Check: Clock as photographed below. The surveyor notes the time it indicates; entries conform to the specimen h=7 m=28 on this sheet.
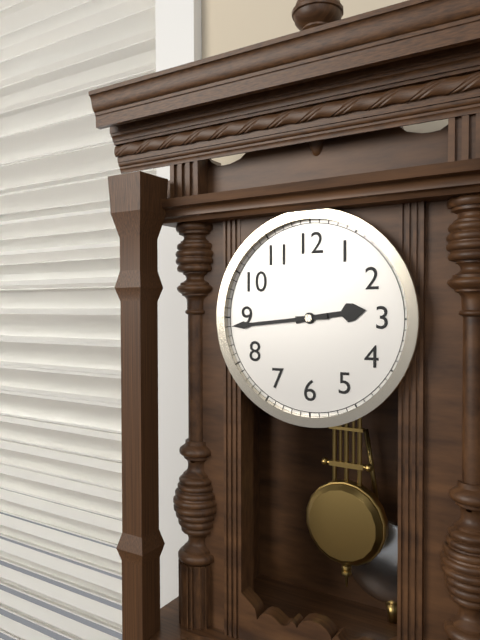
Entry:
h=2 m=44
